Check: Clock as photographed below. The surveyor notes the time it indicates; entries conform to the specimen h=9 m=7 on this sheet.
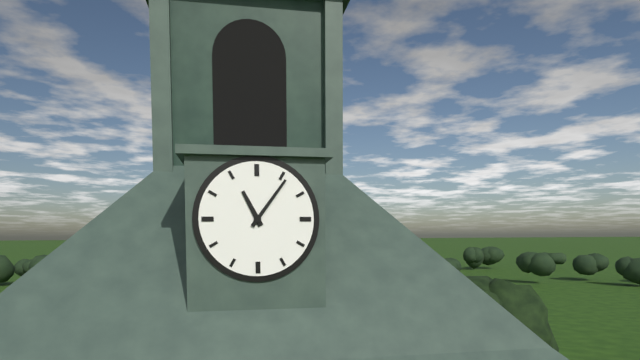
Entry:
h=11 m=6
